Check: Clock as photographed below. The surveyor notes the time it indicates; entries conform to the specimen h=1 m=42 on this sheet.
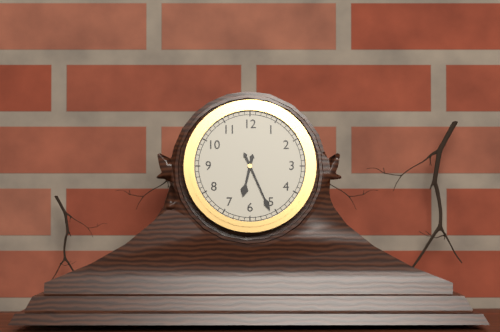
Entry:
h=6 m=26
